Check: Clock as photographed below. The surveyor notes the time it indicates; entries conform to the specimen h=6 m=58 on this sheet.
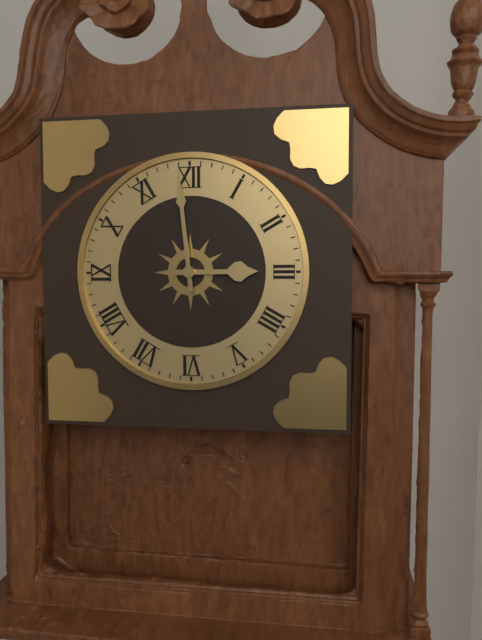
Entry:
h=2 m=59
